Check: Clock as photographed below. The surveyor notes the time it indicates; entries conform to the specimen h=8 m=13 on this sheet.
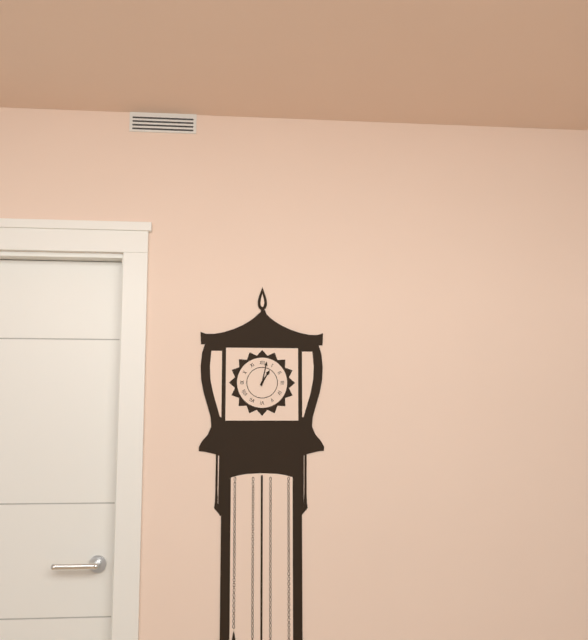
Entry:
h=1 m=2
